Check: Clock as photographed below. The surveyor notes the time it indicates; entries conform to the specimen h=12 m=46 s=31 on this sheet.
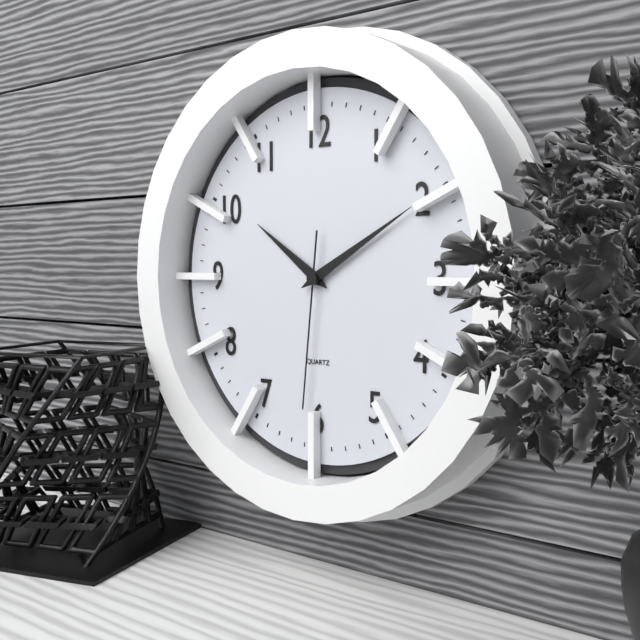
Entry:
h=10 m=10 s=31
